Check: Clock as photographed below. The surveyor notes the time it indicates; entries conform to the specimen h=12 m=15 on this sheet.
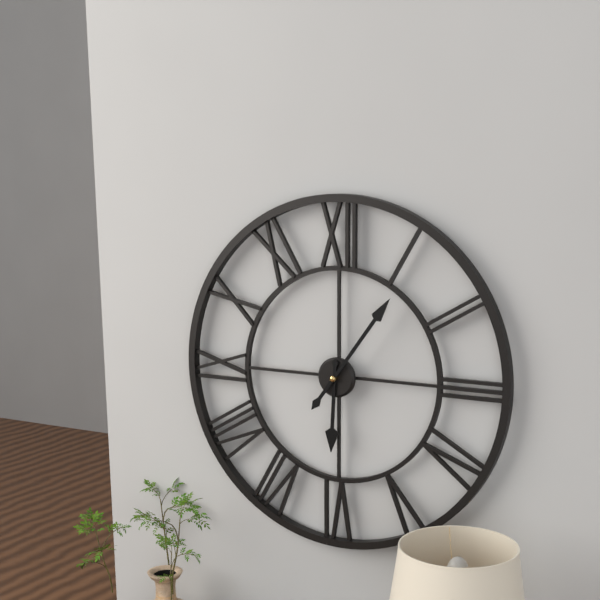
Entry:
h=6 m=6
